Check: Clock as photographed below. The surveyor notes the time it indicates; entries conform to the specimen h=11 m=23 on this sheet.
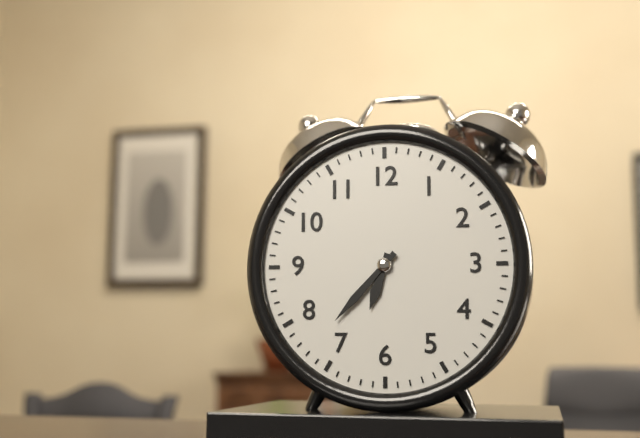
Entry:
h=6 m=37
